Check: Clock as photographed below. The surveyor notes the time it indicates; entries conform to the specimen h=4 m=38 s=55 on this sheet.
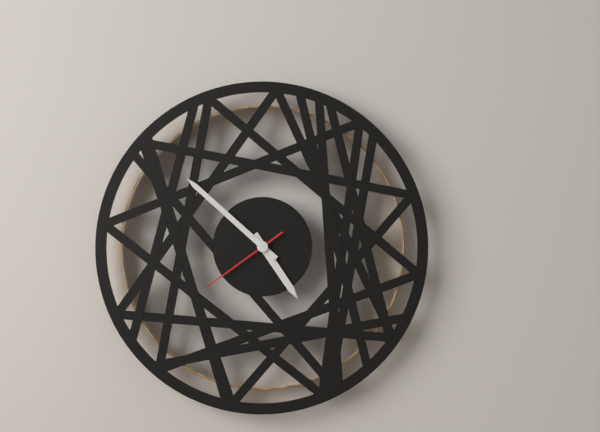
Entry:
h=4 m=52 s=39
